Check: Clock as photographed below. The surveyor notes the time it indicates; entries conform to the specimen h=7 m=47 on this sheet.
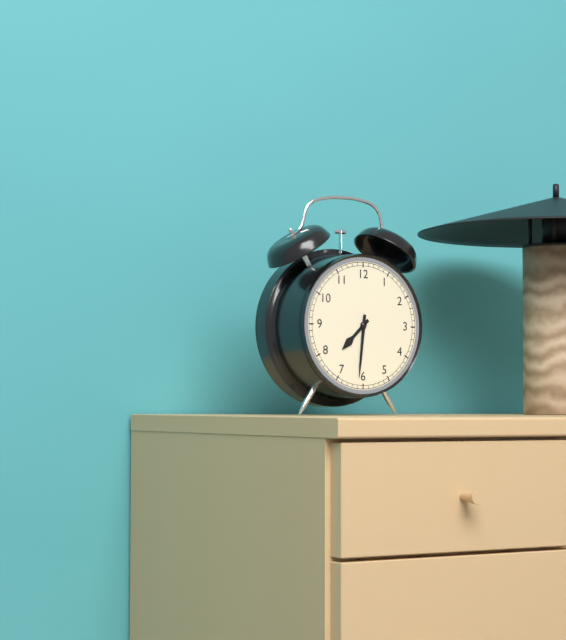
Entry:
h=7 m=31
